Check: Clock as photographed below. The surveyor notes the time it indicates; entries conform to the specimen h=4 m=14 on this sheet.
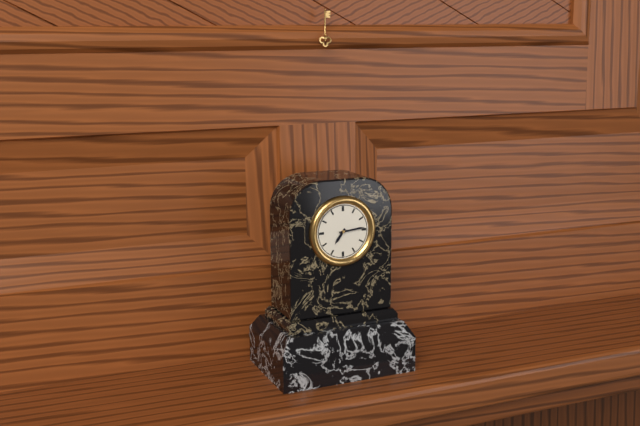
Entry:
h=7 m=14
